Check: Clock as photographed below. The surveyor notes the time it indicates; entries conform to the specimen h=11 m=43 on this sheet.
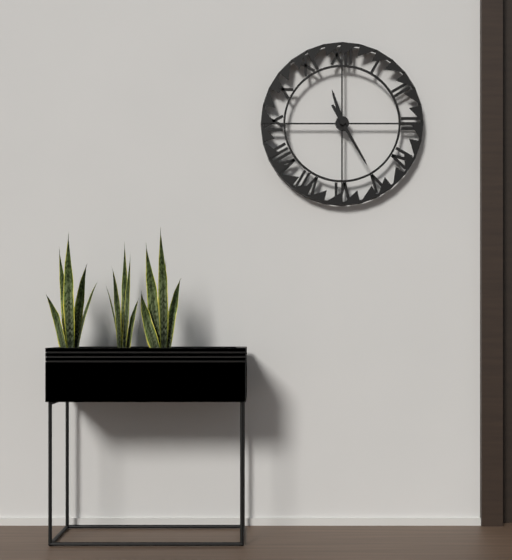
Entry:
h=11 m=25
